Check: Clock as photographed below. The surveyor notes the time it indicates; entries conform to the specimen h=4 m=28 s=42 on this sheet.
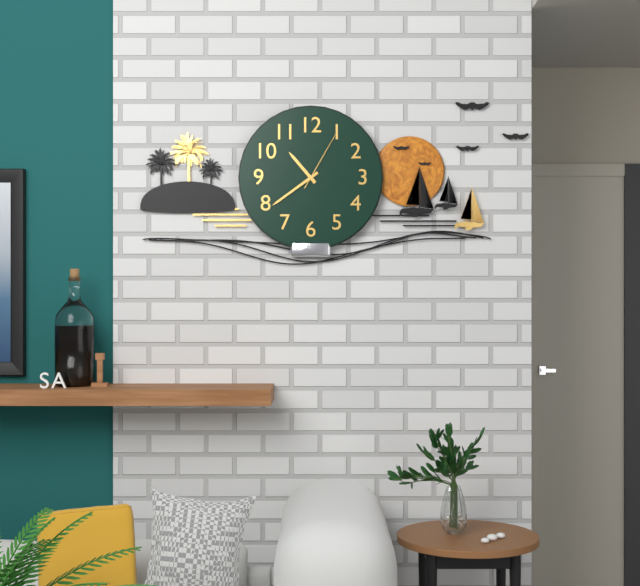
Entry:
h=10 m=39 s=5
